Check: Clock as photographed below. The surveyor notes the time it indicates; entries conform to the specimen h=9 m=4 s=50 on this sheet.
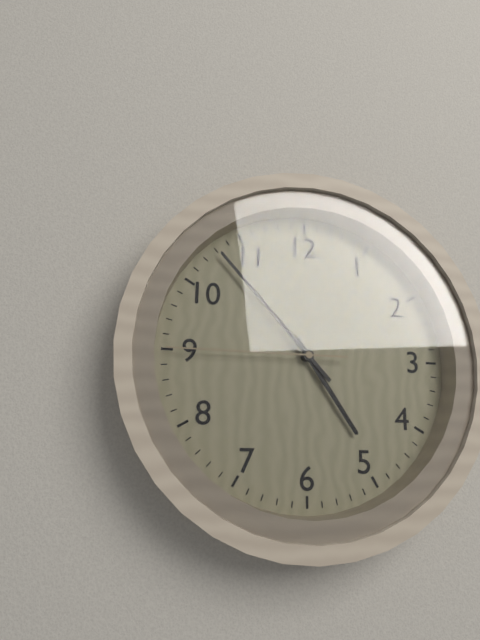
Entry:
h=4 m=53 s=45
